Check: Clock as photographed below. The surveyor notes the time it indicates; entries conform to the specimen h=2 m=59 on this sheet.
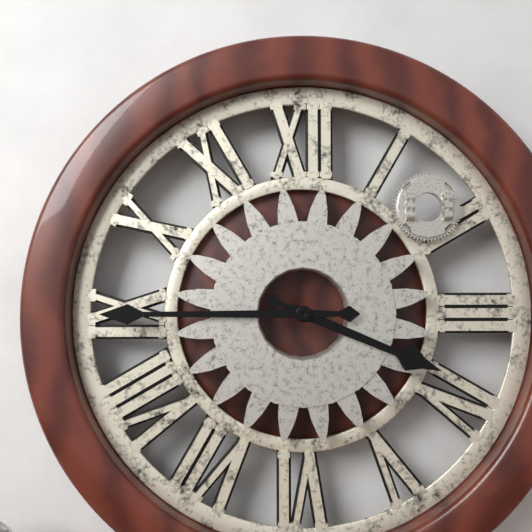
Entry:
h=3 m=45
